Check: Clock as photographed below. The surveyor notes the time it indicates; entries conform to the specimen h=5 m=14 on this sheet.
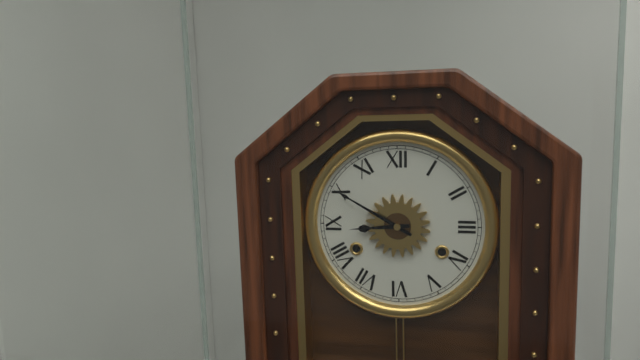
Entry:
h=8 m=50
